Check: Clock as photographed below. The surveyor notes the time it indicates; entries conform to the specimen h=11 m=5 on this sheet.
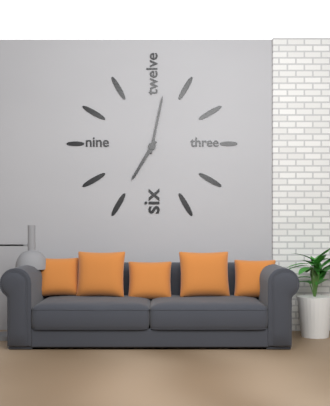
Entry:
h=7 m=2
